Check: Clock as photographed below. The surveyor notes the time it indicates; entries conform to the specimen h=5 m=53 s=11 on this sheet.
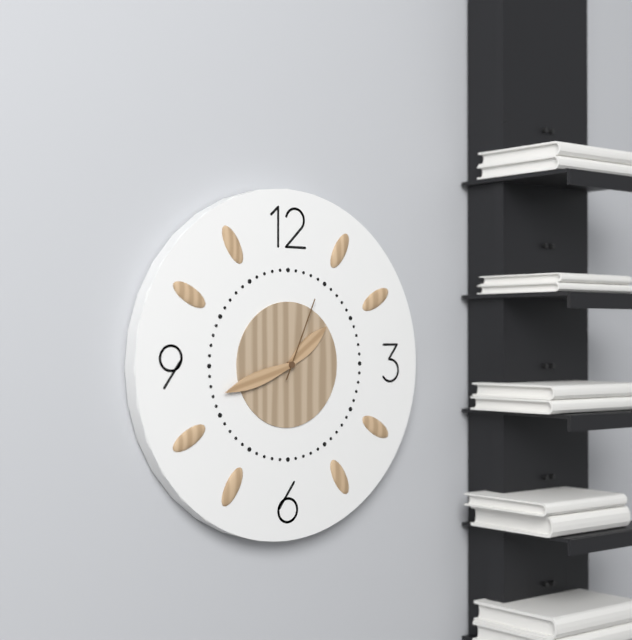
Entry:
h=1 m=42 s=4
